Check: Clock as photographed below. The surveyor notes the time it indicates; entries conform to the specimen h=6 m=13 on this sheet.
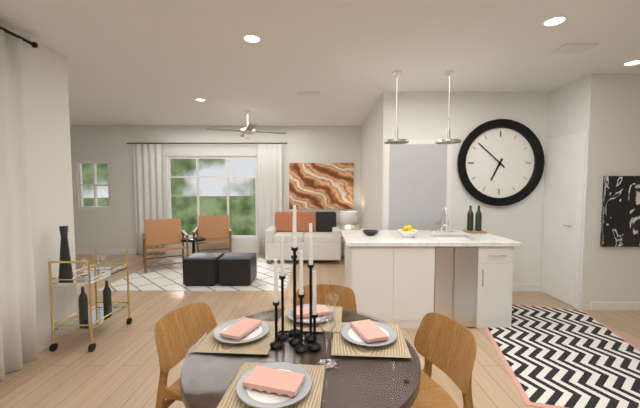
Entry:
h=6 m=52
